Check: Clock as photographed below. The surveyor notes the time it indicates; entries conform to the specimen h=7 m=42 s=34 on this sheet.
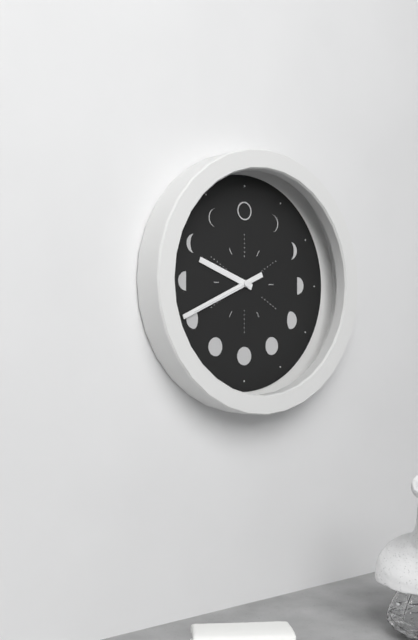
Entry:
h=9 m=41 s=41
